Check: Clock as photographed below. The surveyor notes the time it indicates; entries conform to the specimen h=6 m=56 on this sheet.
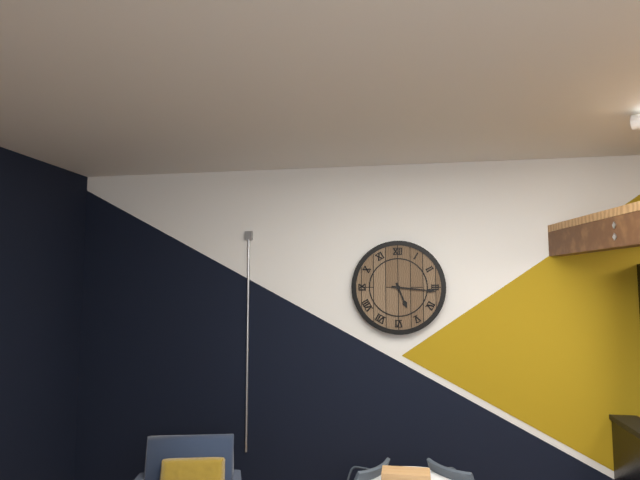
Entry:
h=5 m=16
